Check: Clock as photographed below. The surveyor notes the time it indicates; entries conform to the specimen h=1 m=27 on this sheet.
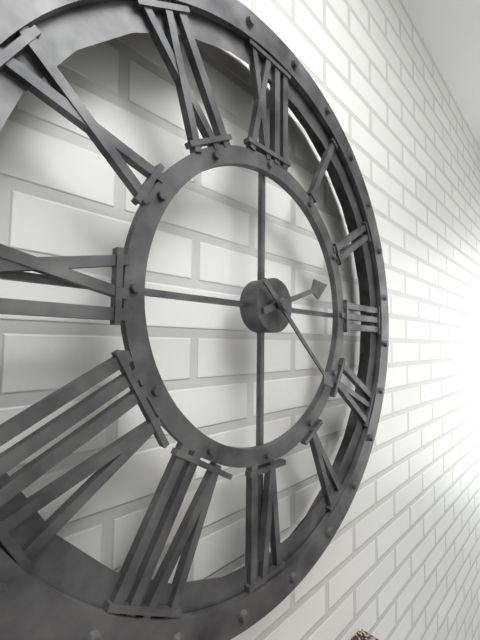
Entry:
h=2 m=22
